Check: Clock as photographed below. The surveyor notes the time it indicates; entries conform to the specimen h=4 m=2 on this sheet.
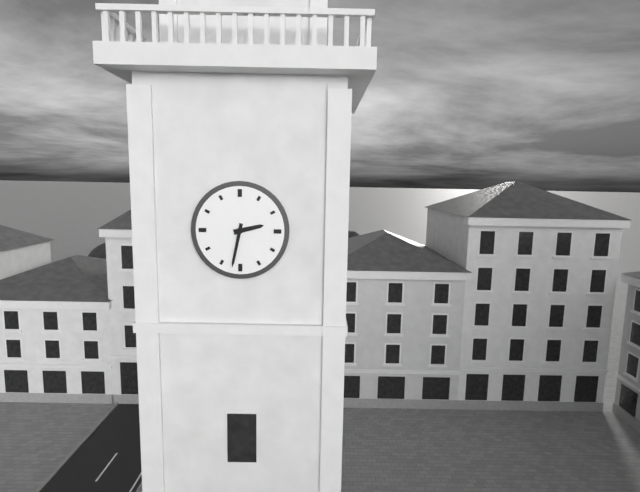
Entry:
h=2 m=32
